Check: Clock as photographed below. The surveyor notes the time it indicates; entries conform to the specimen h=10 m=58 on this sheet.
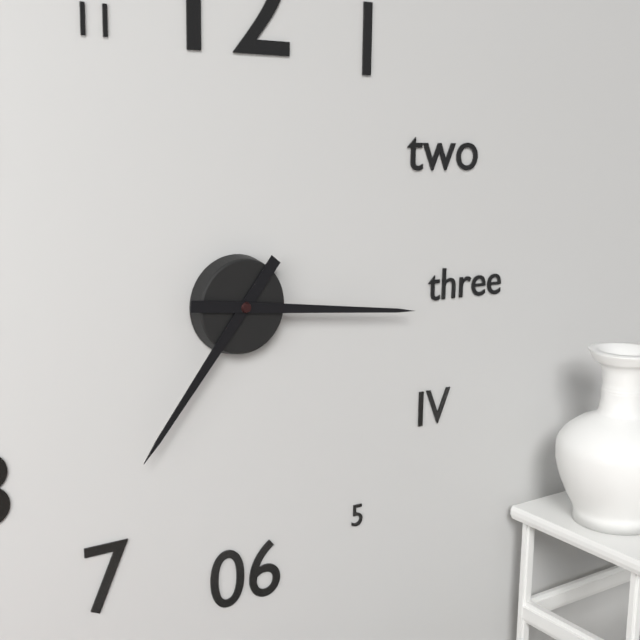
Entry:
h=7 m=16
